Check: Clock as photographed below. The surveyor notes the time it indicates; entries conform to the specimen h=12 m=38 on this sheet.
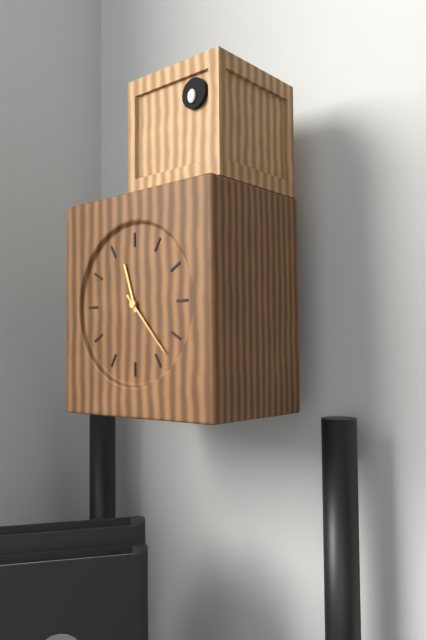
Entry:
h=11 m=23
